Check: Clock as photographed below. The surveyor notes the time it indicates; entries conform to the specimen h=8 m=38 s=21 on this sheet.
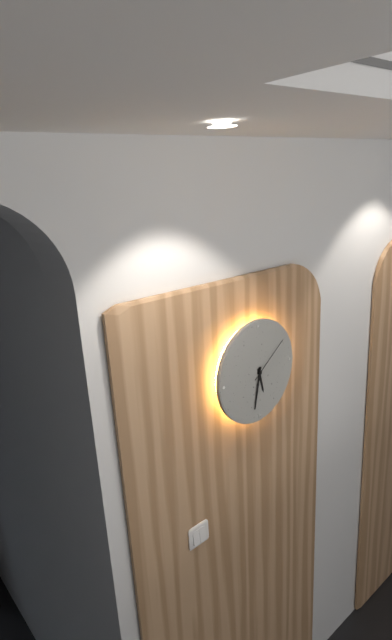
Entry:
h=5 m=32 s=9
